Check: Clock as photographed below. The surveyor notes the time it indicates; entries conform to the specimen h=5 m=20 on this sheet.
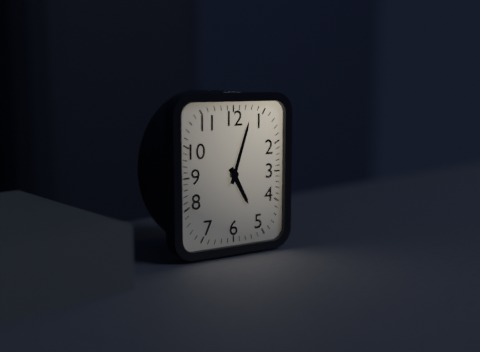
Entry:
h=5 m=3
